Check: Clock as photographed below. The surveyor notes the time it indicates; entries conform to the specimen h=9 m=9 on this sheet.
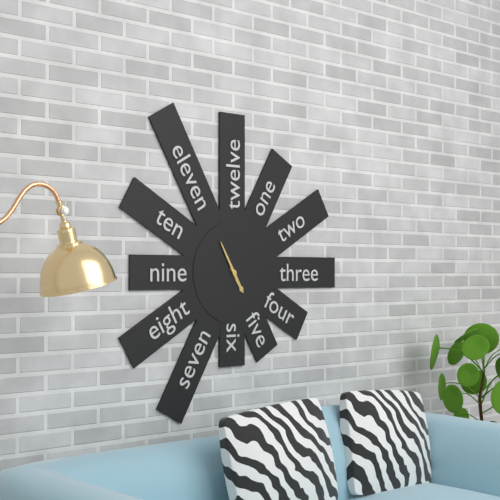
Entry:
h=4 m=55
